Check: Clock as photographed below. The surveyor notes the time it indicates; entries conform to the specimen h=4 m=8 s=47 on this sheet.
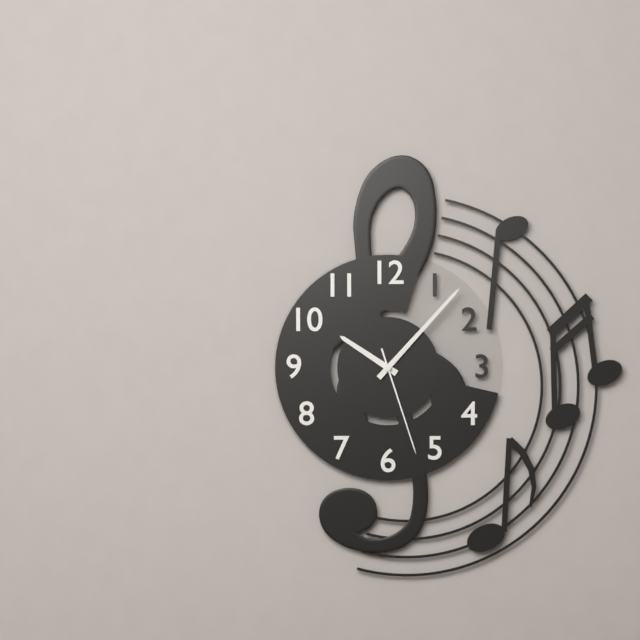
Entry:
h=10 m=7 s=27
